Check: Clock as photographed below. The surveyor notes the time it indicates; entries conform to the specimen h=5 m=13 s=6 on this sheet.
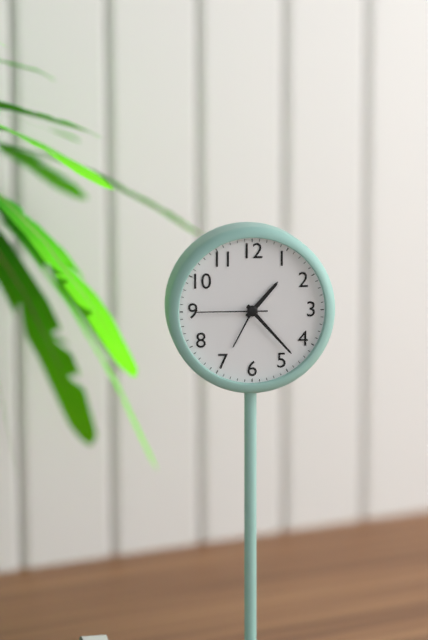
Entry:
h=1 m=23 s=45
